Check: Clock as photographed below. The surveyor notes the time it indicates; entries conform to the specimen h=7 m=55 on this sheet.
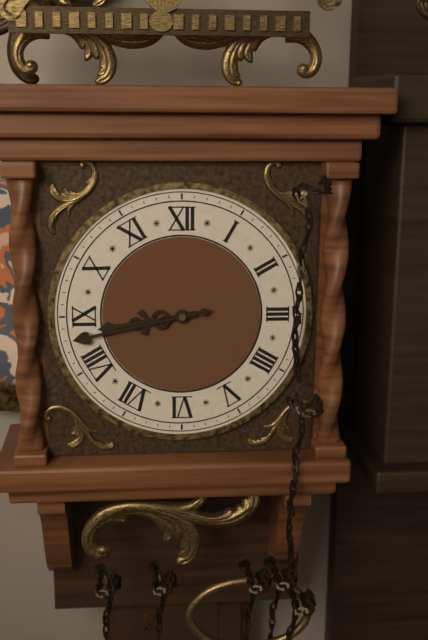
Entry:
h=8 m=43
